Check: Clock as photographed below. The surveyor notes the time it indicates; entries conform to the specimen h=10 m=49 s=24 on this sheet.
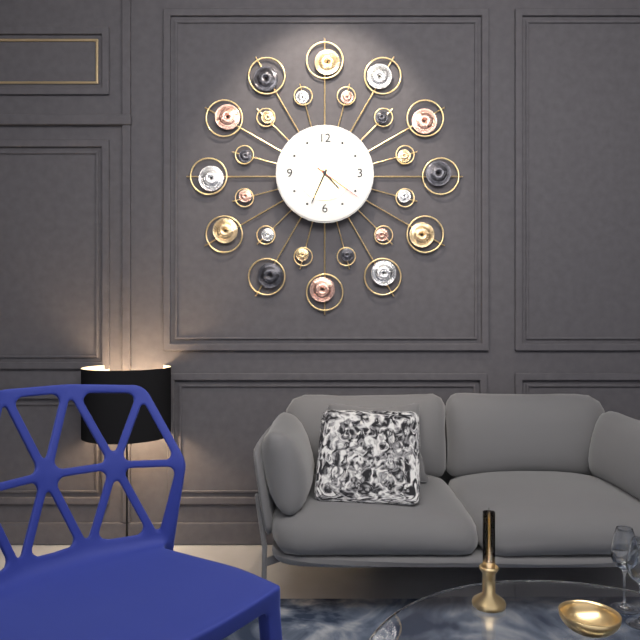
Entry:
h=4 m=34 s=21
